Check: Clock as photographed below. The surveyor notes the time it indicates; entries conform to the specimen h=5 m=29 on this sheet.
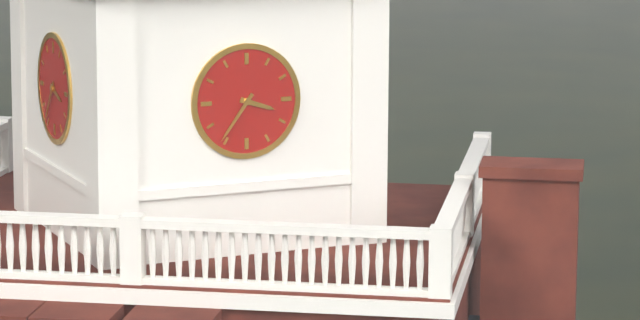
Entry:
h=3 m=36
